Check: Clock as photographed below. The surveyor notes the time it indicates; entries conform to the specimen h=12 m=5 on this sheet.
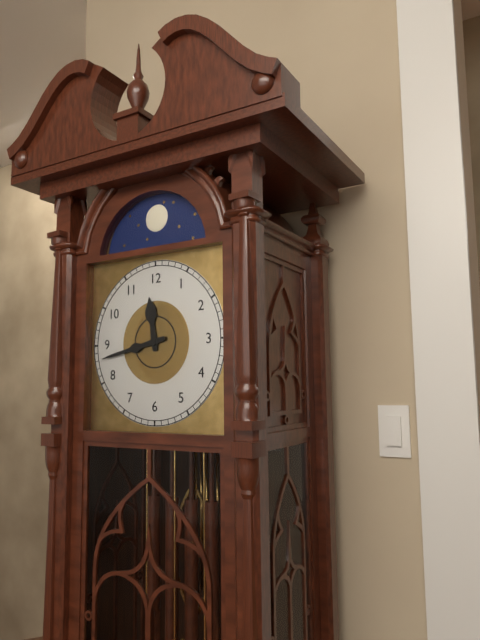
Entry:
h=11 m=43
